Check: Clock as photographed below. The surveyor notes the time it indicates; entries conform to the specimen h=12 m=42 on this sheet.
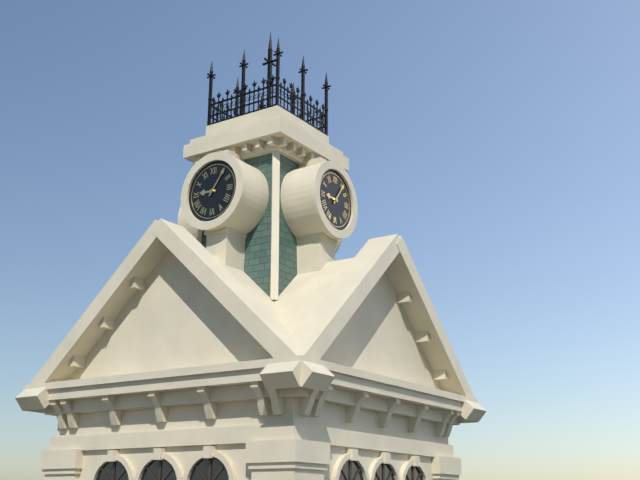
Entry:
h=9 m=6
